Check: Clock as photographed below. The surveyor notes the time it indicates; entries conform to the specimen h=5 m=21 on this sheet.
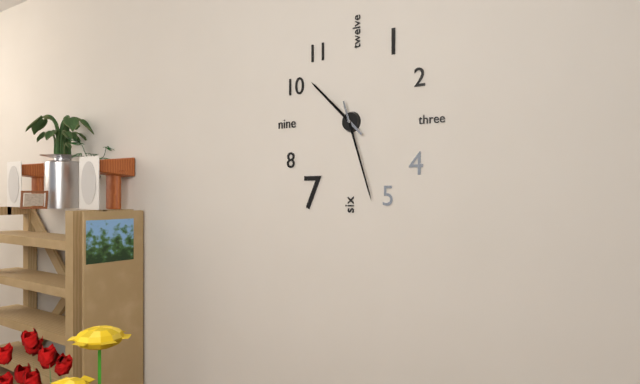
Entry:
h=10 m=27
